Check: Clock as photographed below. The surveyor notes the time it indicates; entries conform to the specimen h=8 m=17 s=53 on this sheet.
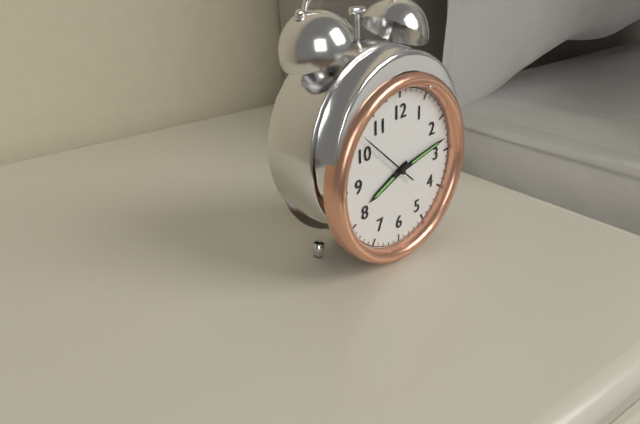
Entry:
h=8 m=13 s=52
